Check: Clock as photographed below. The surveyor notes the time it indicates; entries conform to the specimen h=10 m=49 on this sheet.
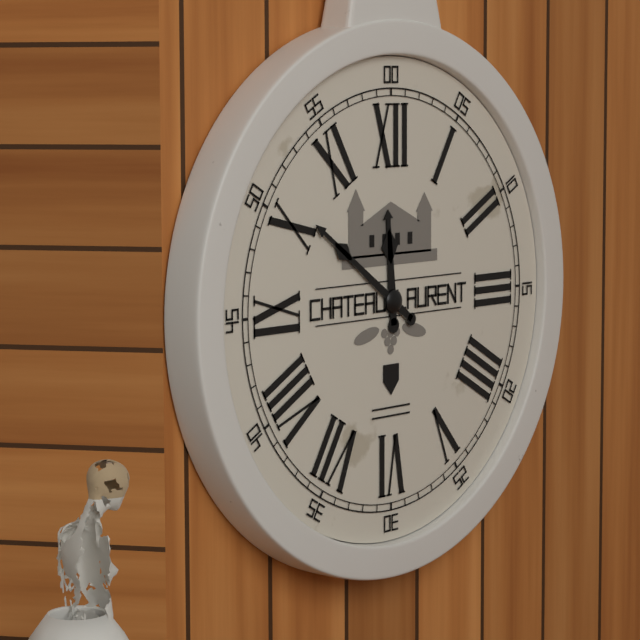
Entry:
h=11 m=51
